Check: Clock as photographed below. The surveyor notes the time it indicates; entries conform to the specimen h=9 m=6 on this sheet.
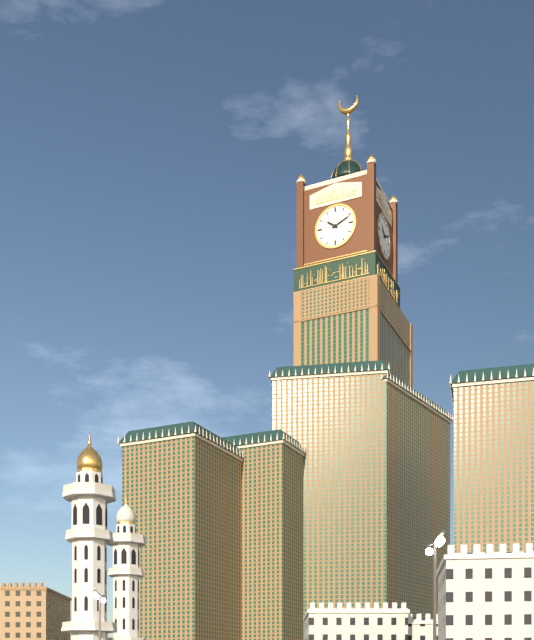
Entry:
h=10 m=11
